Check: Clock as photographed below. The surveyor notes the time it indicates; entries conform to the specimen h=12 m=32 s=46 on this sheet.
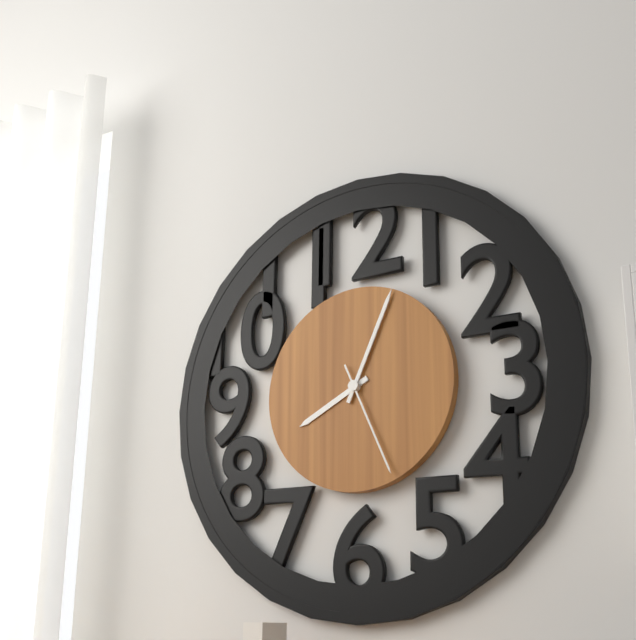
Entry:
h=8 m=4 s=26
